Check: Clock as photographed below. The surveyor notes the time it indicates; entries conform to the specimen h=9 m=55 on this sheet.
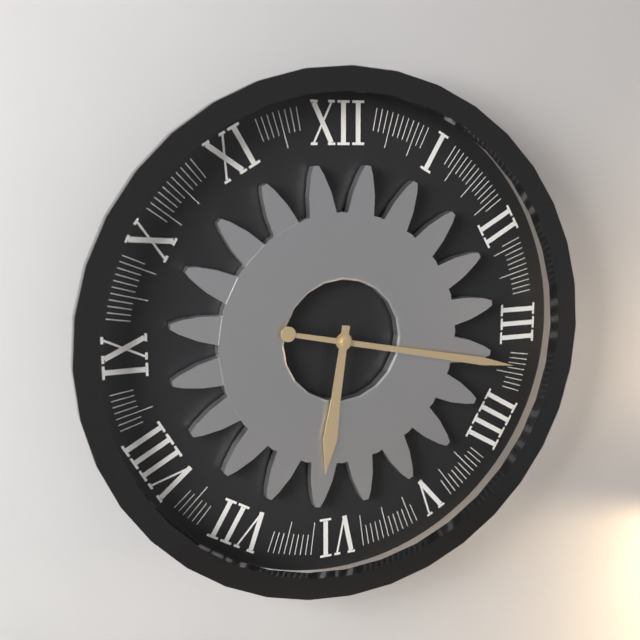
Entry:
h=6 m=17
